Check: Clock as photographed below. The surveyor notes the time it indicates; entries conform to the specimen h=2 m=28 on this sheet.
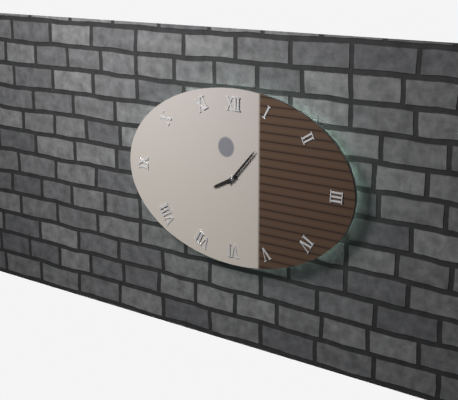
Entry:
h=8 m=7
